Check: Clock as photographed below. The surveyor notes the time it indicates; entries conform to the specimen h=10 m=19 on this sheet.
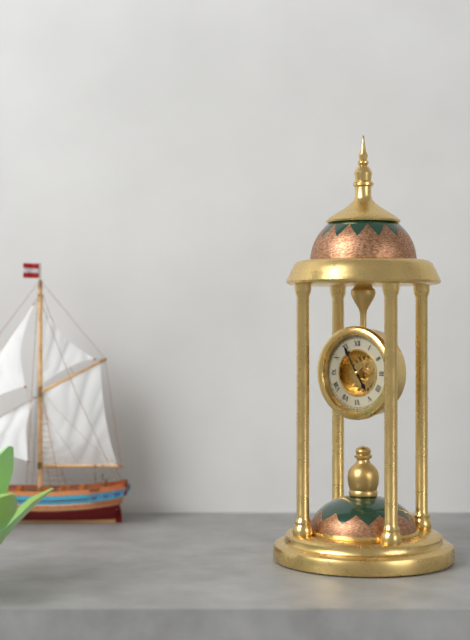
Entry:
h=4 m=55
